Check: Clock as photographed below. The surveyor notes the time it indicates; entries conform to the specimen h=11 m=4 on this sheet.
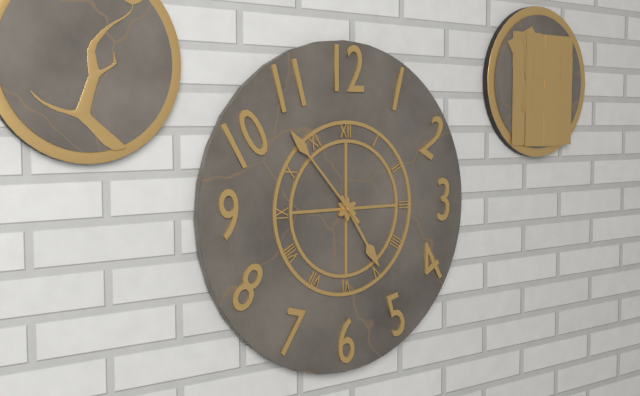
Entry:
h=4 m=53
